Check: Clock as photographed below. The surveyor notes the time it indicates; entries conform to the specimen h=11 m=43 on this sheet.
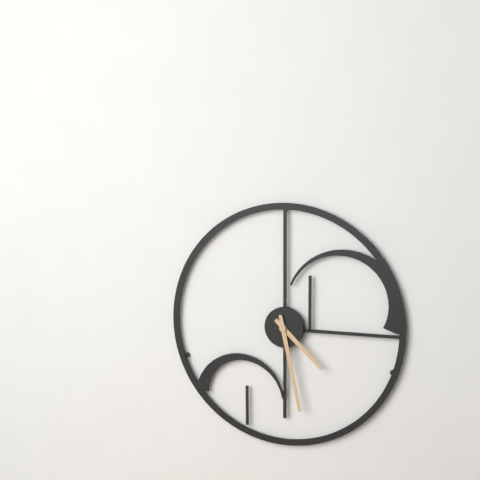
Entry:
h=4 m=28
